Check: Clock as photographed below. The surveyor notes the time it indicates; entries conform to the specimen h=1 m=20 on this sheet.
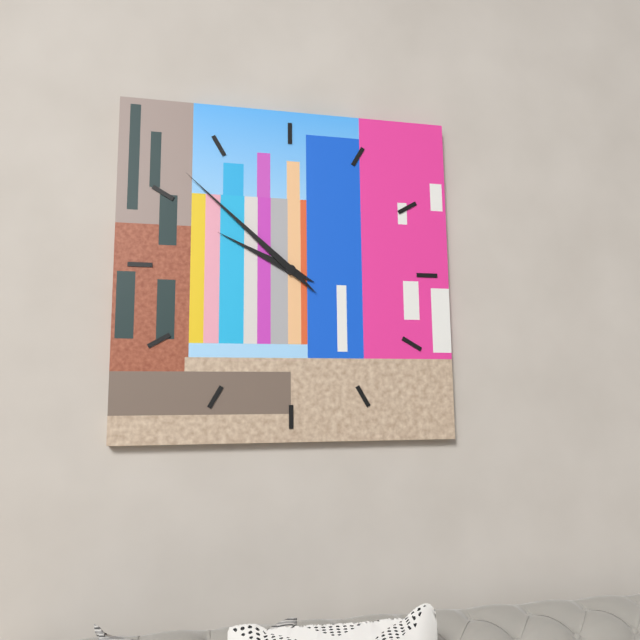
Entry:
h=9 m=52
